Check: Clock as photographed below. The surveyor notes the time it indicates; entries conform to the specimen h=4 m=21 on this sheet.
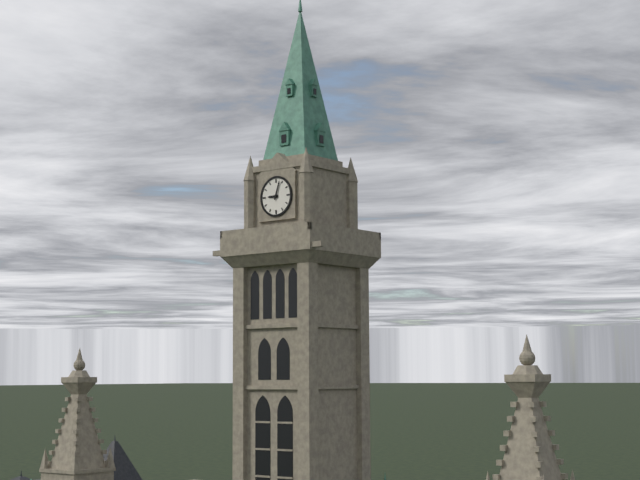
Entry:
h=9 m=3
